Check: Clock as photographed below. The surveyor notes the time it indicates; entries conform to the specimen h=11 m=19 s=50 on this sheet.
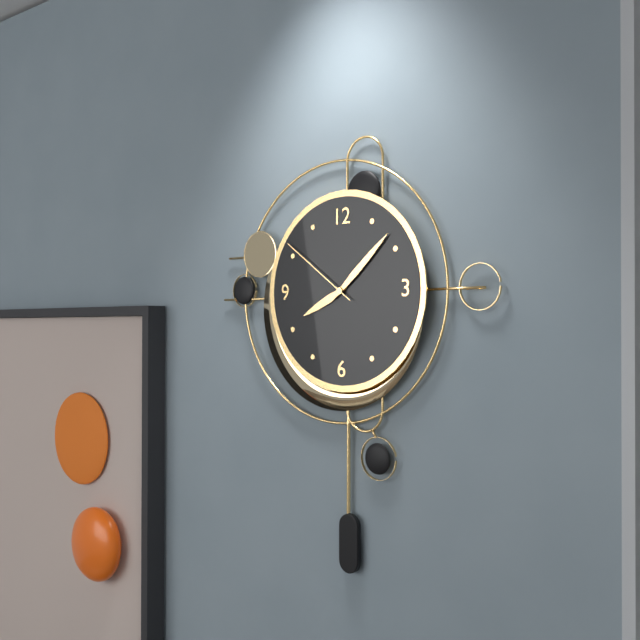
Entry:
h=8 m=8 s=51
